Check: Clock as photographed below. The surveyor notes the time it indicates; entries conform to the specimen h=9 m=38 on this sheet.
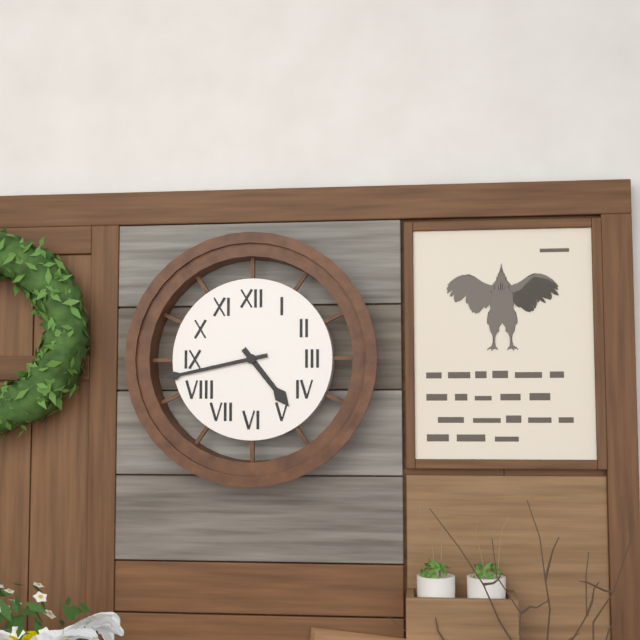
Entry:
h=4 m=43
